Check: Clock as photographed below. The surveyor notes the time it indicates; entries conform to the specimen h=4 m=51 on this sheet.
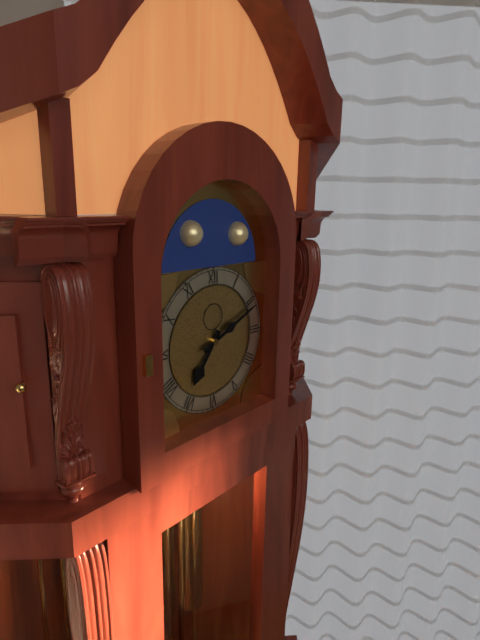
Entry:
h=7 m=11
